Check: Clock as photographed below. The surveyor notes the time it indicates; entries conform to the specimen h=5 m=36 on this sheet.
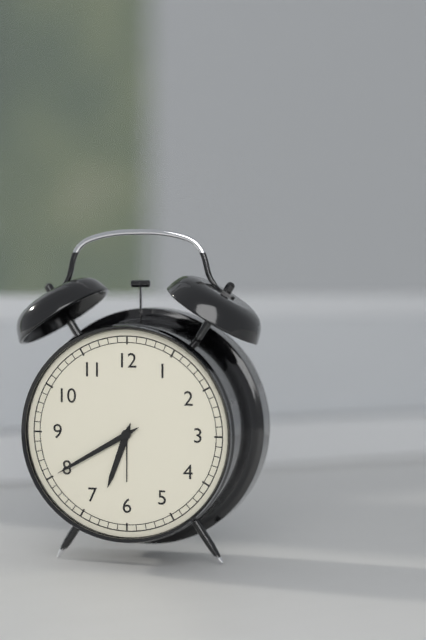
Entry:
h=6 m=40
